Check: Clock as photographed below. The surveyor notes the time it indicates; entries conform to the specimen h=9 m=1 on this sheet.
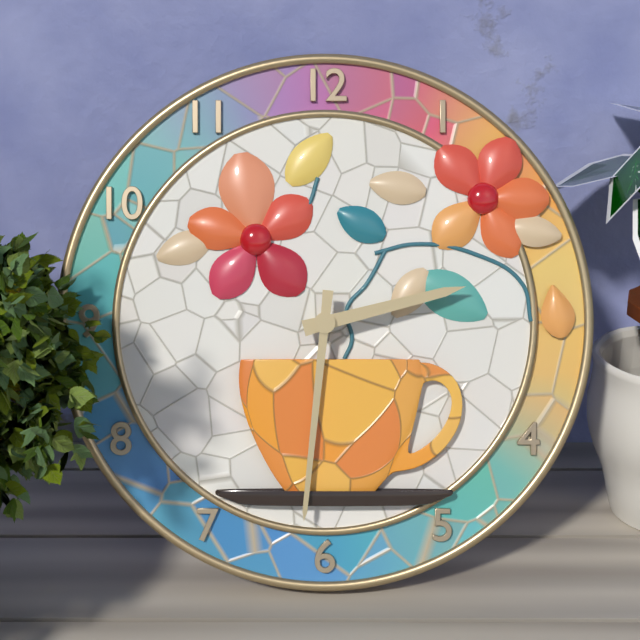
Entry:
h=2 m=31
